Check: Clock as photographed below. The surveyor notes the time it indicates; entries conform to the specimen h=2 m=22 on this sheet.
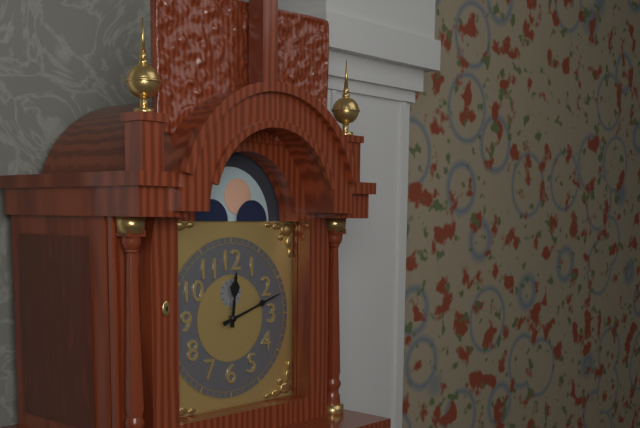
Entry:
h=12 m=12
